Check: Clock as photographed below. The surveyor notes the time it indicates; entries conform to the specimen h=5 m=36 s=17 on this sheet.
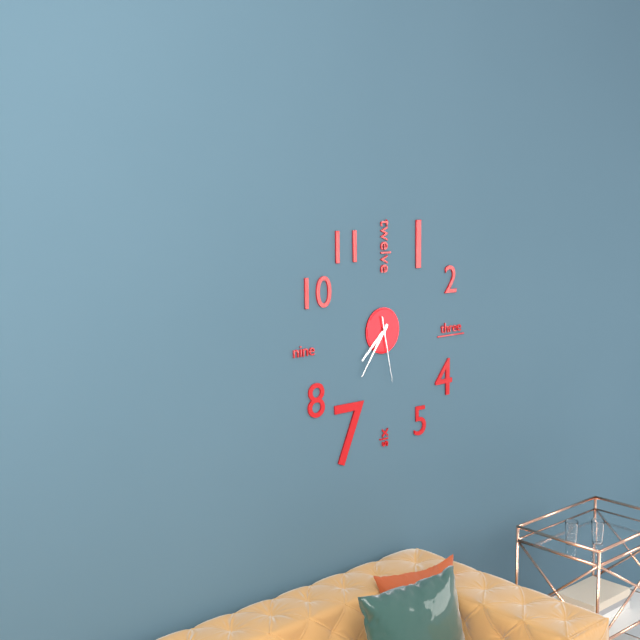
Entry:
h=7 m=36 s=28
